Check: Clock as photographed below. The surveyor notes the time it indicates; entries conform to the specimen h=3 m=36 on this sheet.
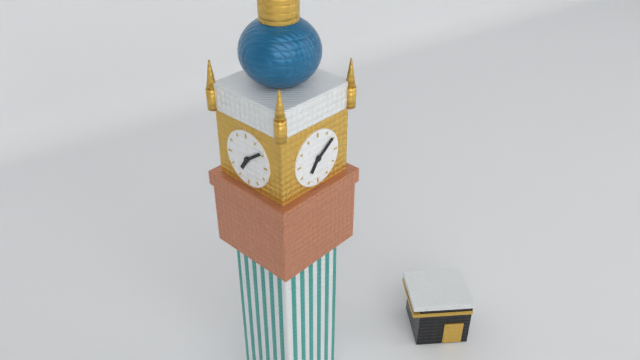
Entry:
h=7 m=9
